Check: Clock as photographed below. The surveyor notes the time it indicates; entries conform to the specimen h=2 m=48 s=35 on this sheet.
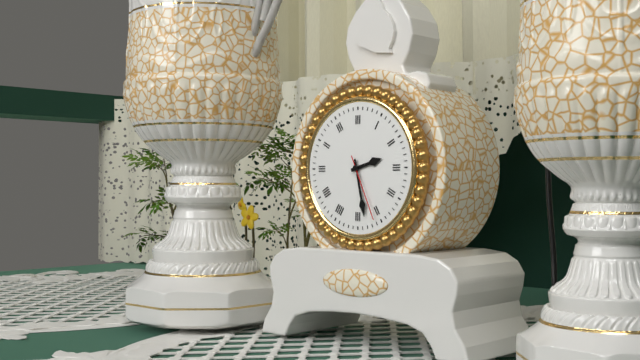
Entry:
h=2 m=28 s=26
